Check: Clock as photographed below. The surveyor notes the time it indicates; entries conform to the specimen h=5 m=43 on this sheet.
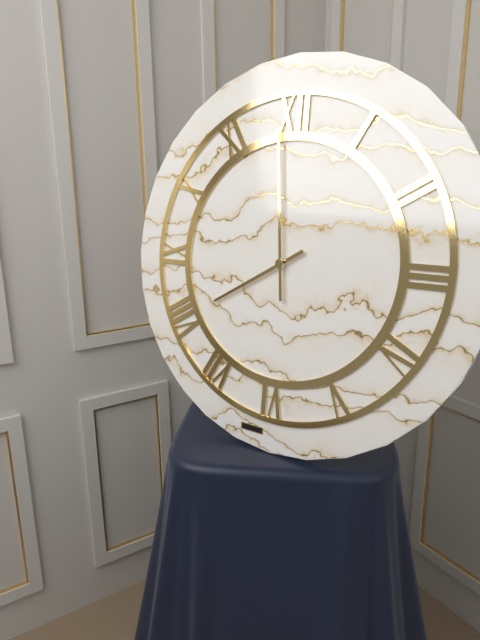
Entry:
h=7 m=59
